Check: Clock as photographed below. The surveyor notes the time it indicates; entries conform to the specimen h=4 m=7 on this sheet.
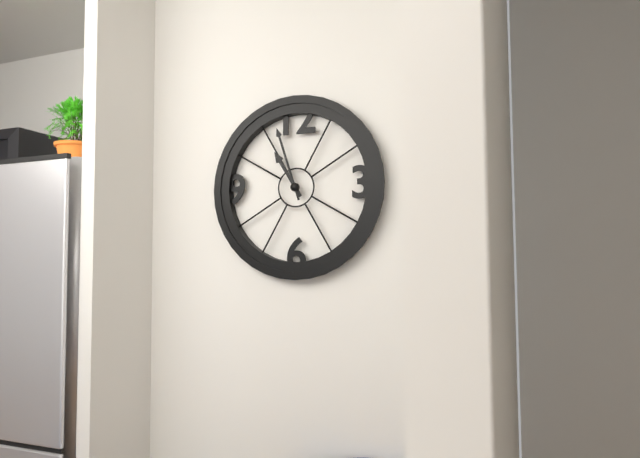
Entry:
h=10 m=57
